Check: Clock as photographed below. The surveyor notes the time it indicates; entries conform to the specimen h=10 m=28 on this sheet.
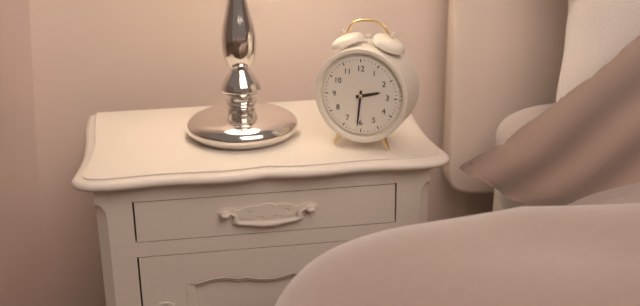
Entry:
h=2 m=31
